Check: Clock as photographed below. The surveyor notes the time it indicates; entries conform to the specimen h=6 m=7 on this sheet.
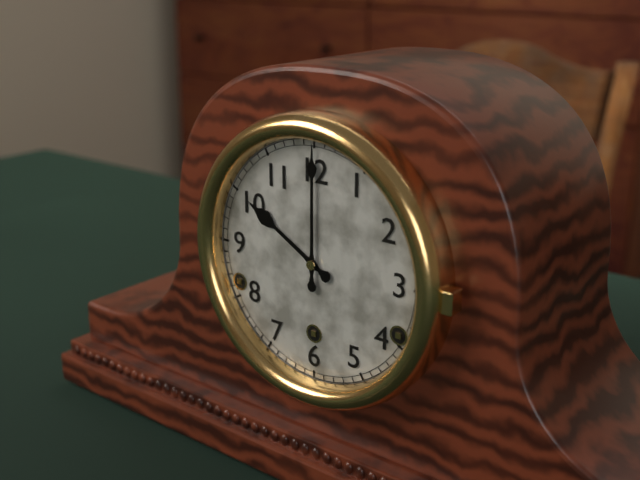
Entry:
h=10 m=0
